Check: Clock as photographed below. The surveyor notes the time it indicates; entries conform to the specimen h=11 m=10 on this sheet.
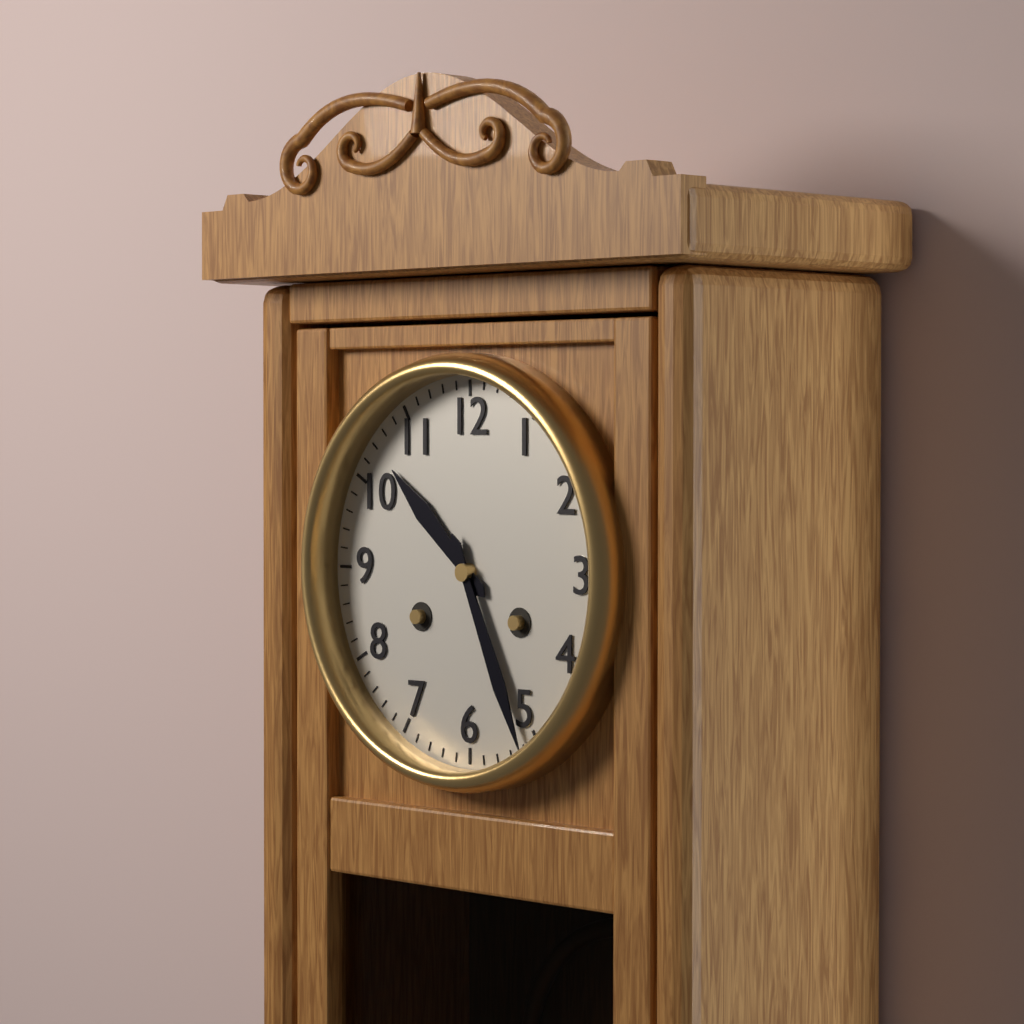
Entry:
h=10 m=26
